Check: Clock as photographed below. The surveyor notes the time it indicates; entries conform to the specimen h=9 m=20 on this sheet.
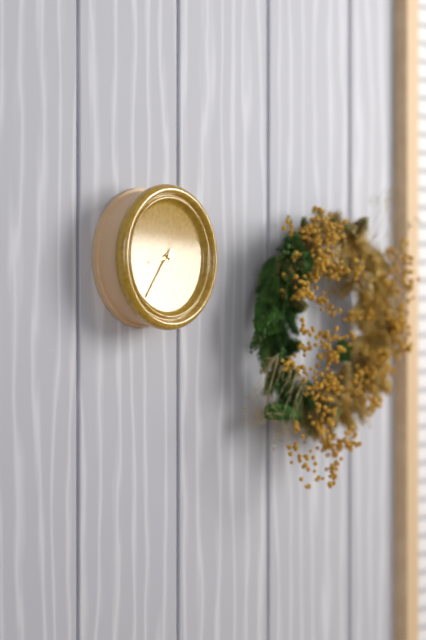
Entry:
h=8 m=36
